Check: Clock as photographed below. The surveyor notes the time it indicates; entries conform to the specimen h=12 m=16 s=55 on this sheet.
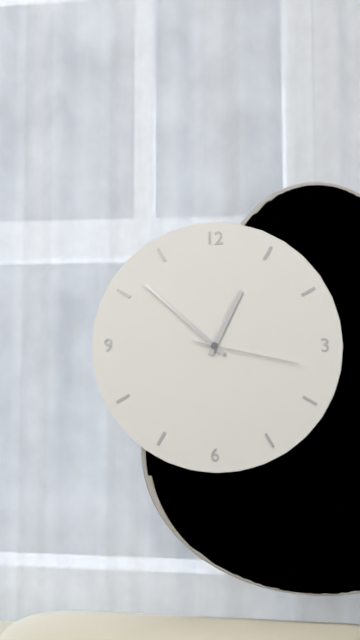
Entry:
h=12 m=52 s=17
